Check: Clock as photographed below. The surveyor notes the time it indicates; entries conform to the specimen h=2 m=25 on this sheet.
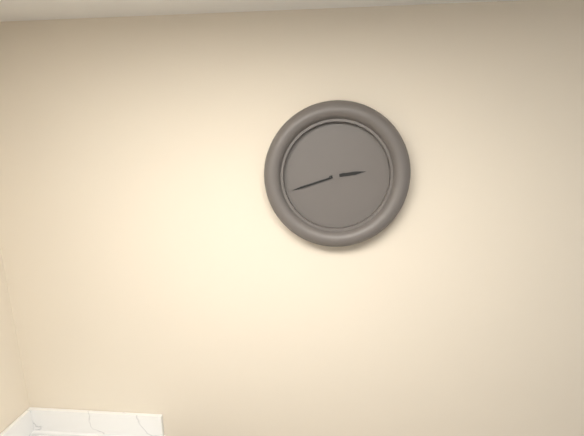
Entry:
h=2 m=42
